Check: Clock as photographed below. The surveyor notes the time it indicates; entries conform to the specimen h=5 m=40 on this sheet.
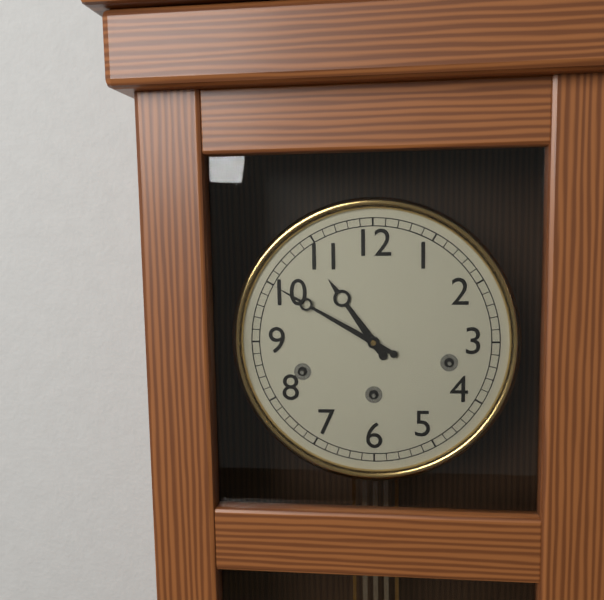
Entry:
h=10 m=50
